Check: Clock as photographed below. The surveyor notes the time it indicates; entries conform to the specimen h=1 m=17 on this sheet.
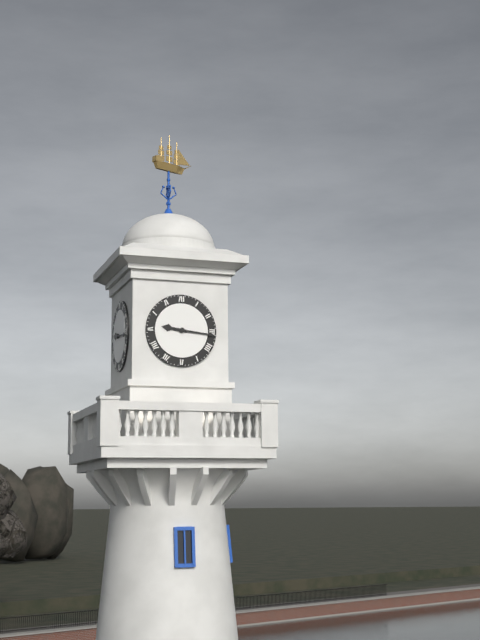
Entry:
h=9 m=16
